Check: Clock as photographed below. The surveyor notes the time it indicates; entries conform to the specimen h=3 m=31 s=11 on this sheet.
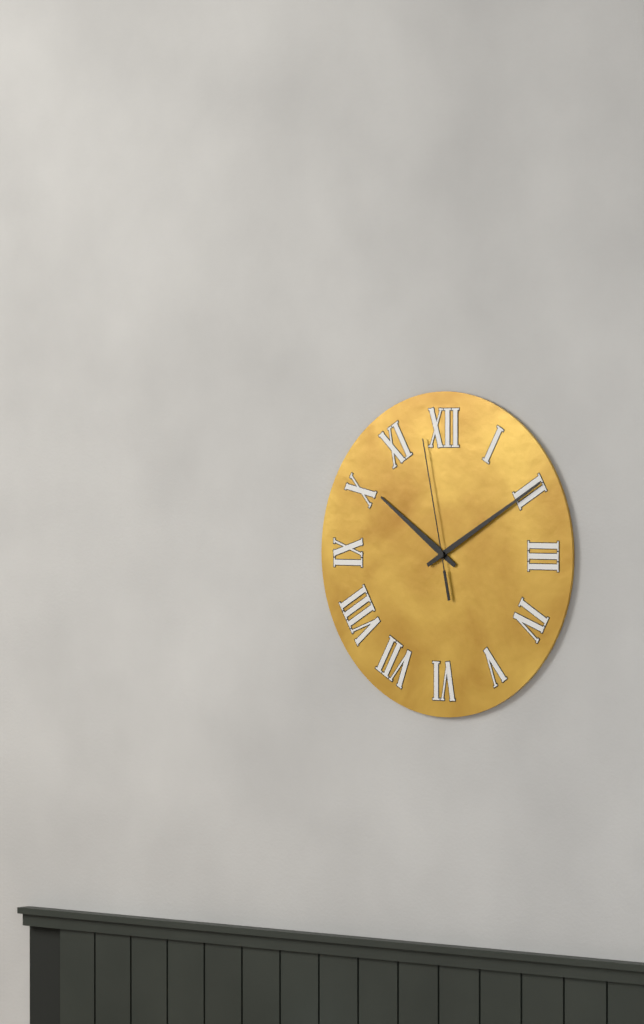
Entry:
h=10 m=10 s=58
